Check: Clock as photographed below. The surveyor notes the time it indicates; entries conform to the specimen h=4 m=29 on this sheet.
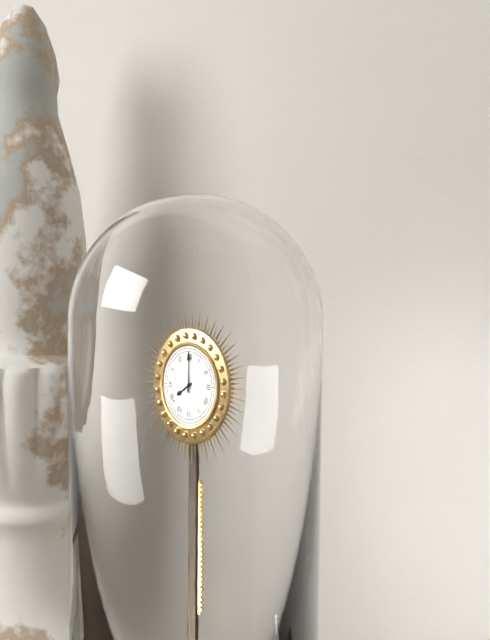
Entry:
h=8 m=0
